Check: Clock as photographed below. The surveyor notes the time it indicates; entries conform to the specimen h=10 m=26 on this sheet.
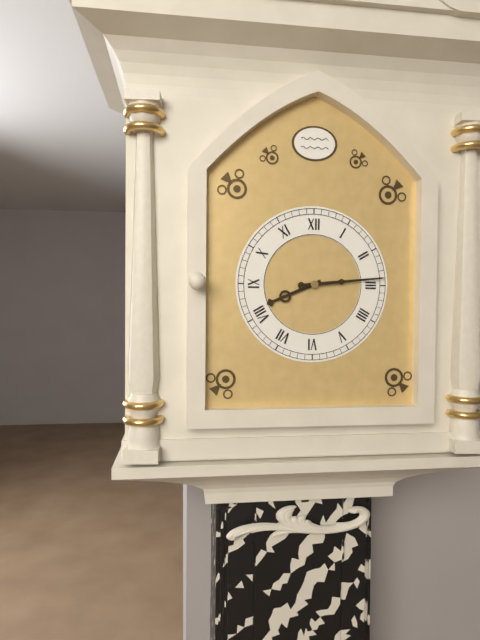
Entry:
h=8 m=14
